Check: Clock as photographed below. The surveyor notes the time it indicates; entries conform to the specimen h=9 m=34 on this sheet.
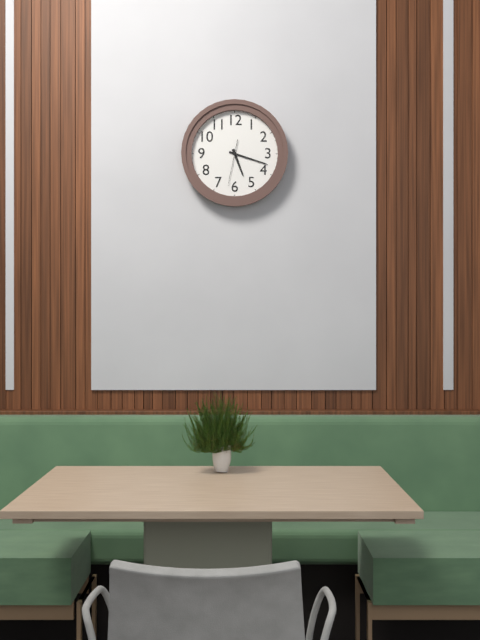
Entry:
h=5 m=18
